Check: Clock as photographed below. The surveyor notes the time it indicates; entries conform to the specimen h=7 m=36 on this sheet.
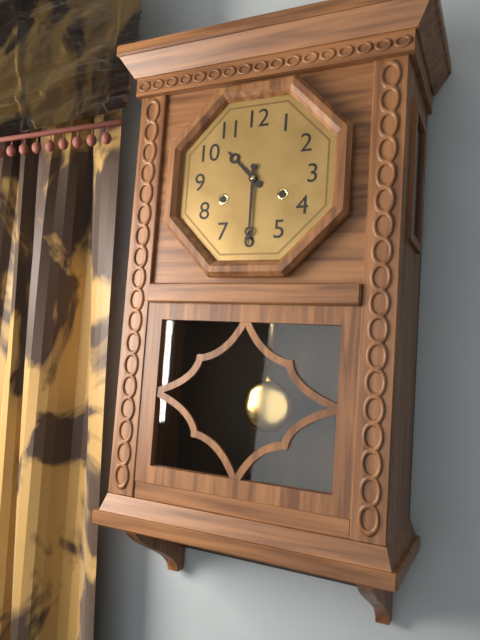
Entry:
h=10 m=30
